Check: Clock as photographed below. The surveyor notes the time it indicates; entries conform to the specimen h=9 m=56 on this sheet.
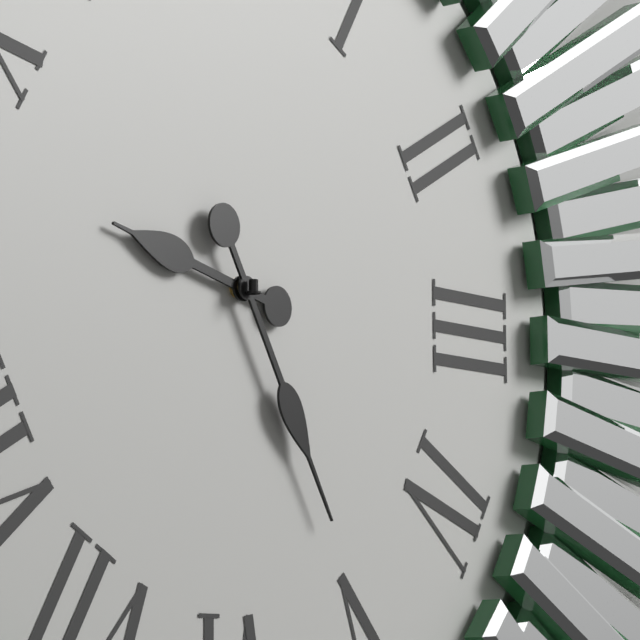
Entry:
h=9 m=25
